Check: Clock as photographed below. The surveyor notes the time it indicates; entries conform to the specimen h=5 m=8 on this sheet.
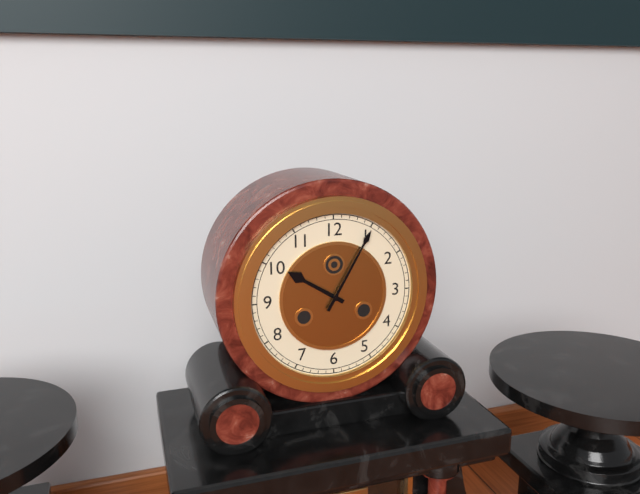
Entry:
h=10 m=5
